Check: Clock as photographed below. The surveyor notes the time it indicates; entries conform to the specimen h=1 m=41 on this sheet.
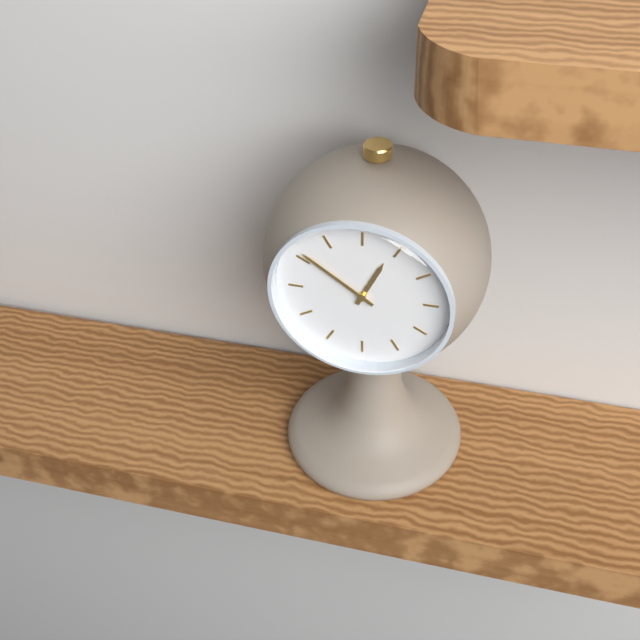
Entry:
h=12 m=51
